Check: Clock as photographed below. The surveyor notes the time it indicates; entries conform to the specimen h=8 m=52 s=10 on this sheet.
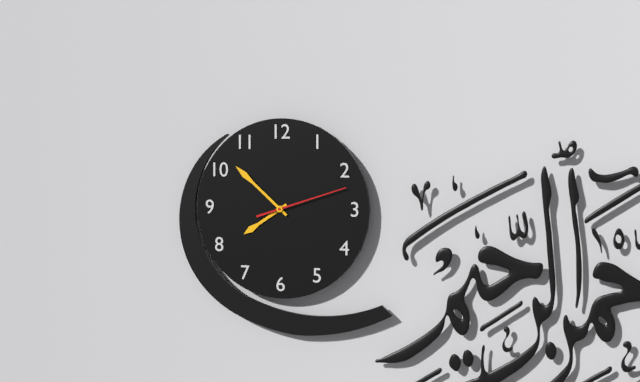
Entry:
h=7 m=52 s=12
